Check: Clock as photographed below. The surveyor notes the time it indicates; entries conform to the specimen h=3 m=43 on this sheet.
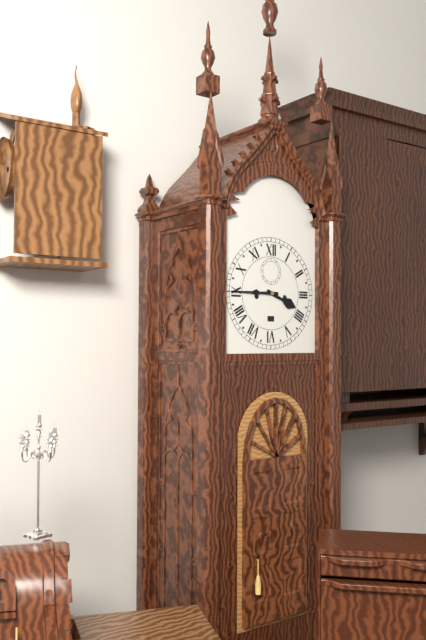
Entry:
h=3 m=45
